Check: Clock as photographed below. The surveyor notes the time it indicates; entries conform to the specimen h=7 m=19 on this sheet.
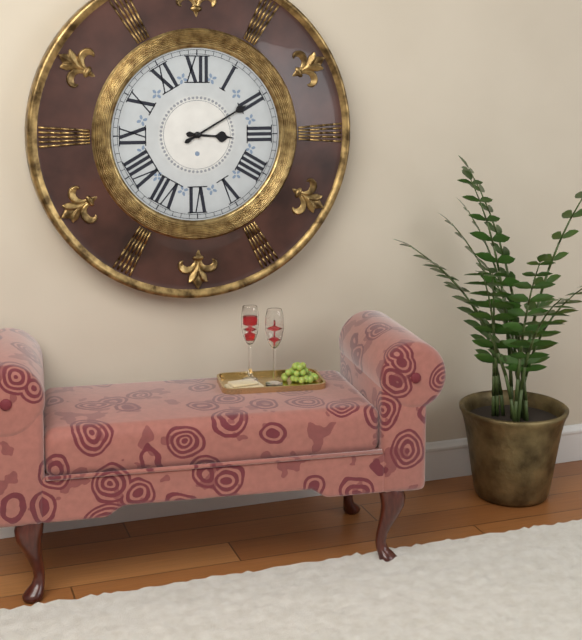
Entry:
h=3 m=10
